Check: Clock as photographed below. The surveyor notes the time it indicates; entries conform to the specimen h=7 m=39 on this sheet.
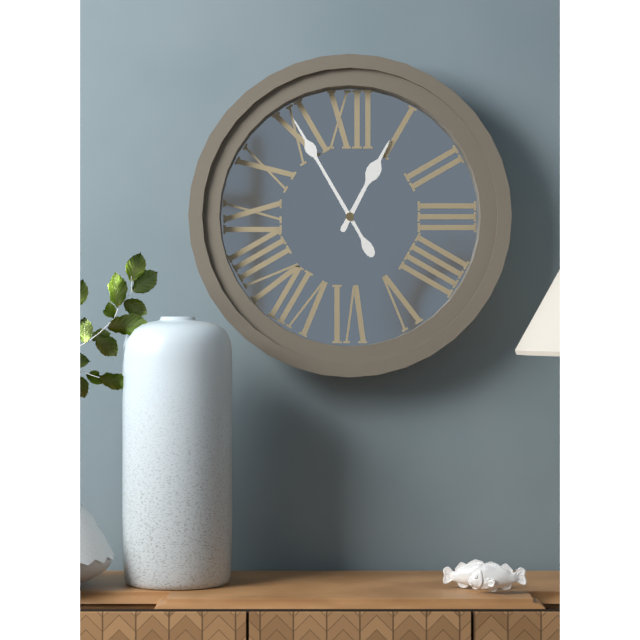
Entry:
h=12 m=55
